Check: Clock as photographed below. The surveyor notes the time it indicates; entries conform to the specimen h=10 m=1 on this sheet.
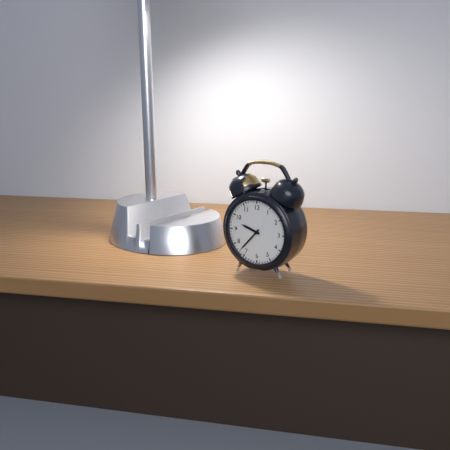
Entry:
h=9 m=37
